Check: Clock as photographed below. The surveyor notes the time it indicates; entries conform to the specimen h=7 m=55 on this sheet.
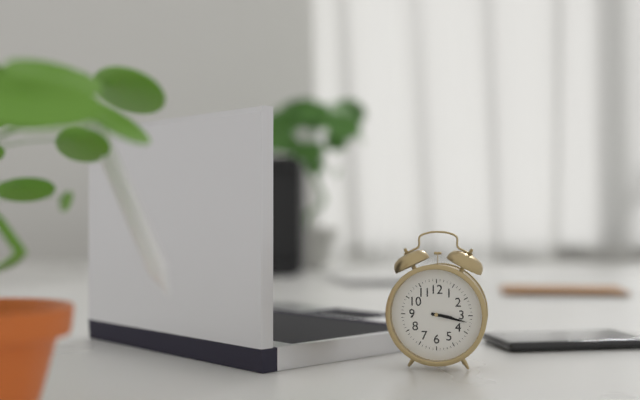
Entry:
h=3 m=17
